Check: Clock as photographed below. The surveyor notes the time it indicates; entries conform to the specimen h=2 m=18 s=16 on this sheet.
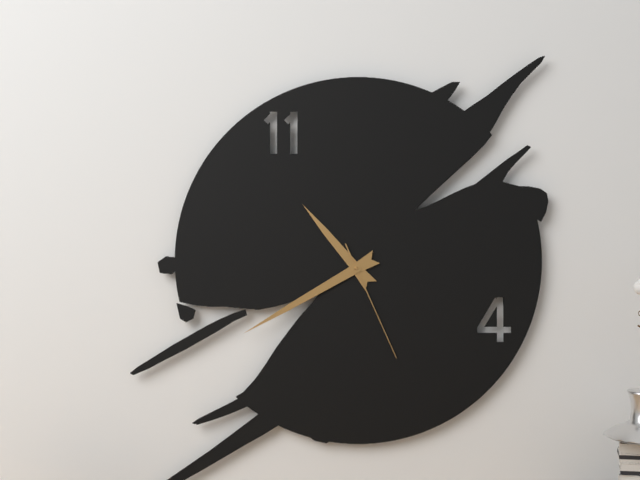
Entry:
h=10 m=40 s=26
